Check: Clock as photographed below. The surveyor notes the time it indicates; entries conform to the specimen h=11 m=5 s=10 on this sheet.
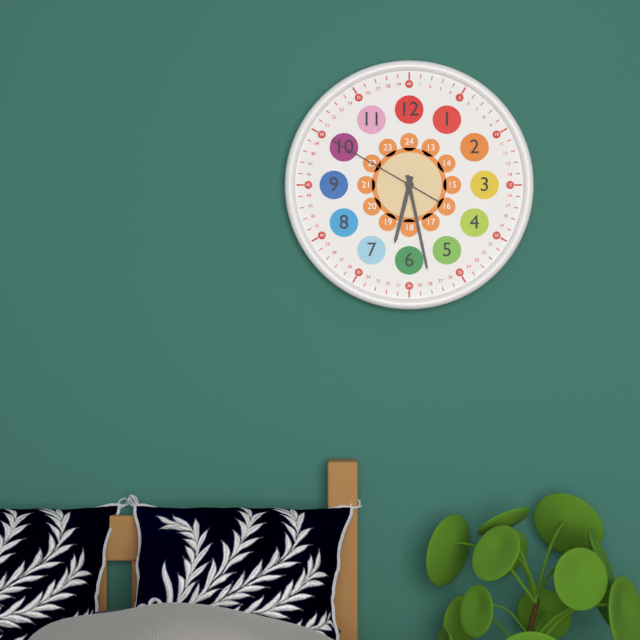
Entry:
h=6 m=28 s=50
